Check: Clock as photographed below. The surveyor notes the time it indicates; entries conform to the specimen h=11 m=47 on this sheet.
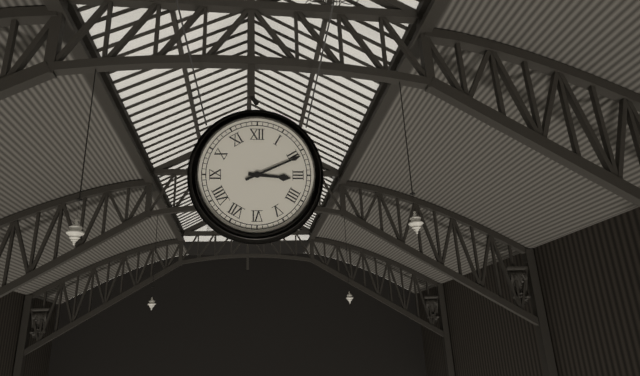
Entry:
h=3 m=11
